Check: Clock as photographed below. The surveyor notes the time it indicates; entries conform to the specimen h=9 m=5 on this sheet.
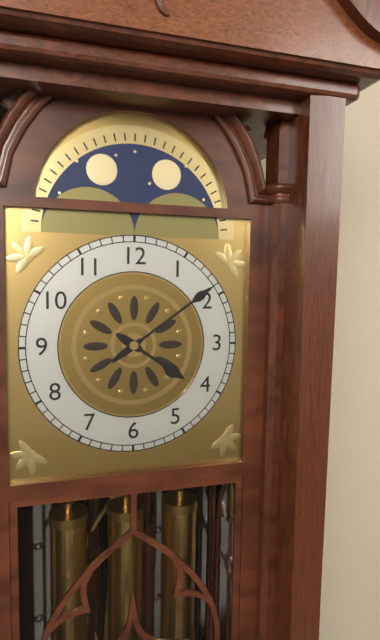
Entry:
h=4 m=9
